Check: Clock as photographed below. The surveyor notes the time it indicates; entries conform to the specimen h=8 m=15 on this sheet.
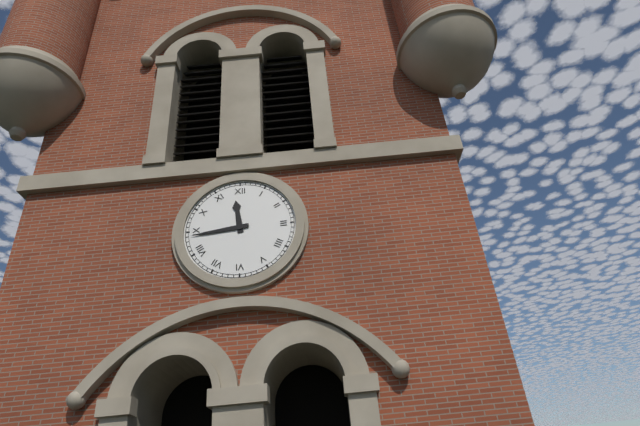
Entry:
h=11 m=44
